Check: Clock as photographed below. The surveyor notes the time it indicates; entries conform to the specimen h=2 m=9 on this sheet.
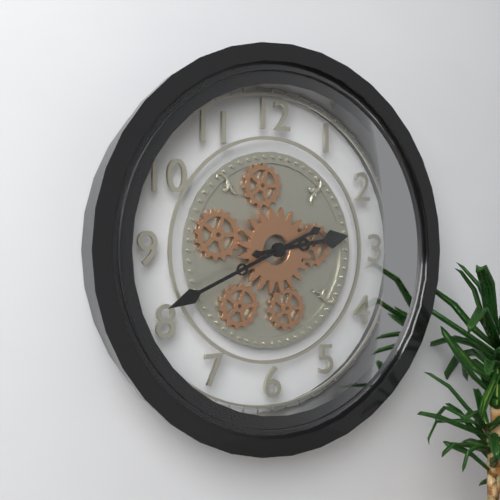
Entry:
h=2 m=41
